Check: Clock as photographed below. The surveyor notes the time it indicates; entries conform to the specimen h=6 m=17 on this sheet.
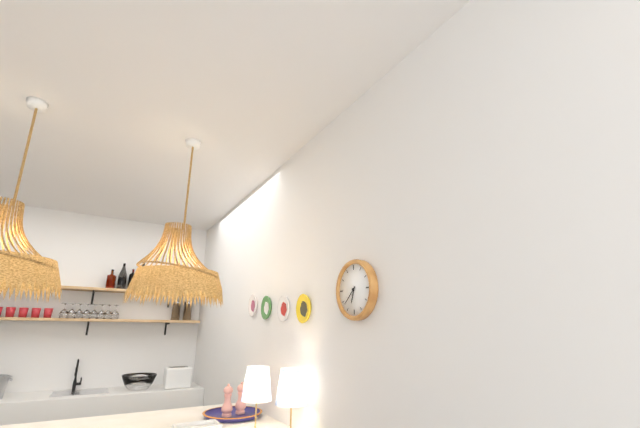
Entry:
h=6 m=38
